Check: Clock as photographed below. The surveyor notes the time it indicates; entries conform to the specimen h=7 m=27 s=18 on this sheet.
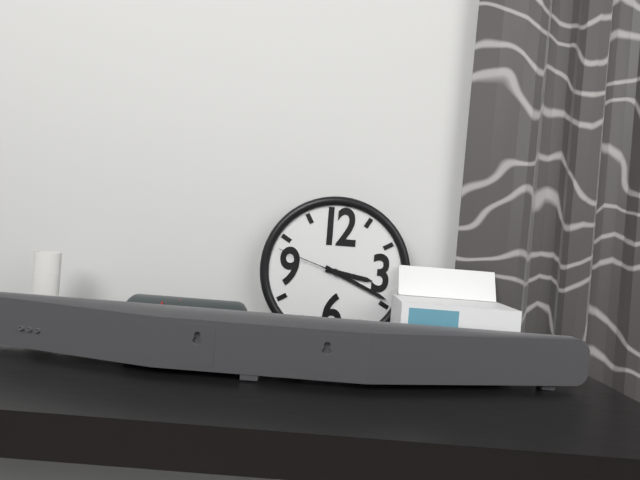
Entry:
h=3 m=19 s=48
